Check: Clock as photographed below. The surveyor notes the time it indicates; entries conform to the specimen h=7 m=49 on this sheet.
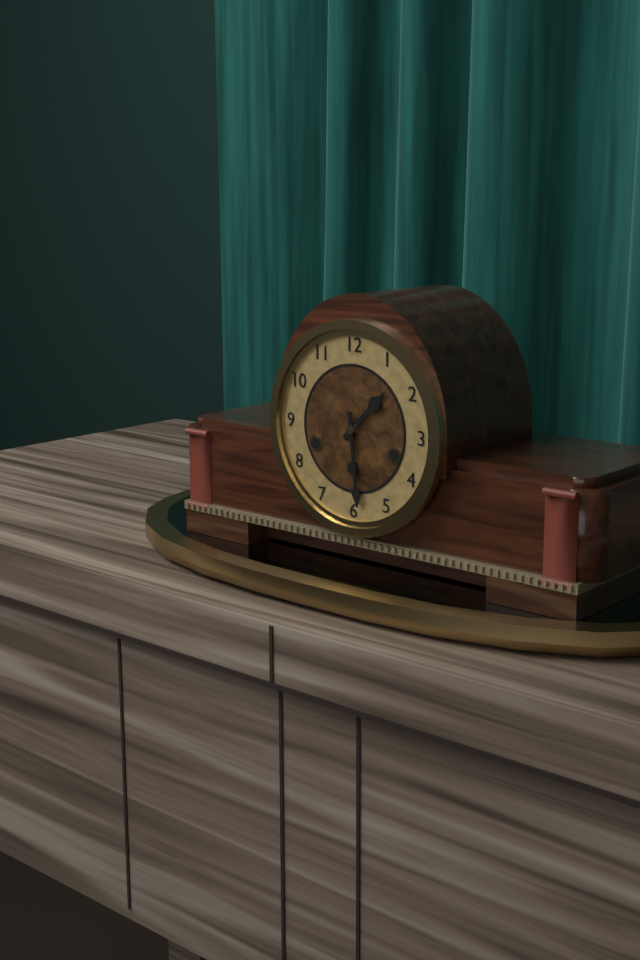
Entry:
h=1 m=29
